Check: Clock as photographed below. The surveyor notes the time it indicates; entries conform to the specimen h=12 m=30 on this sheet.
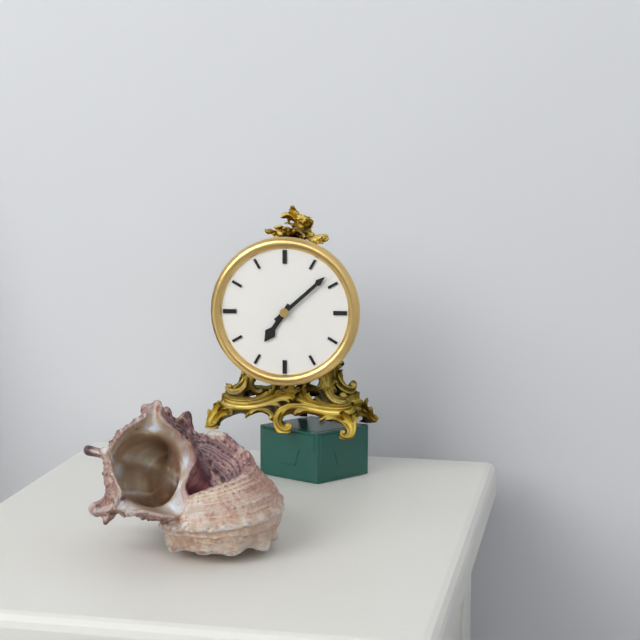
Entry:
h=7 m=8
